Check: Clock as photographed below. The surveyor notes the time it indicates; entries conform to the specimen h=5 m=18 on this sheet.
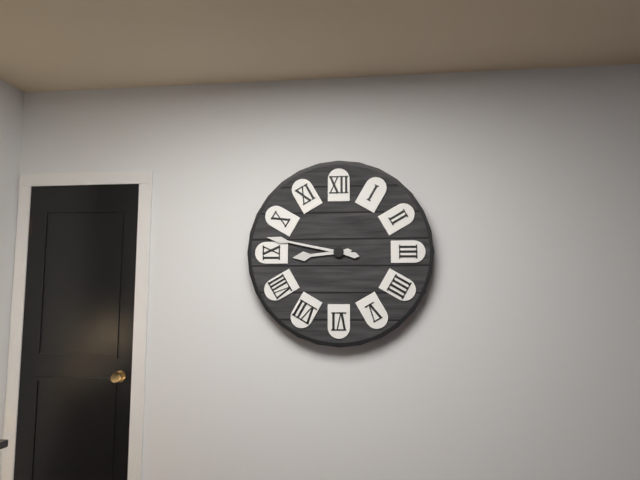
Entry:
h=8 m=47
